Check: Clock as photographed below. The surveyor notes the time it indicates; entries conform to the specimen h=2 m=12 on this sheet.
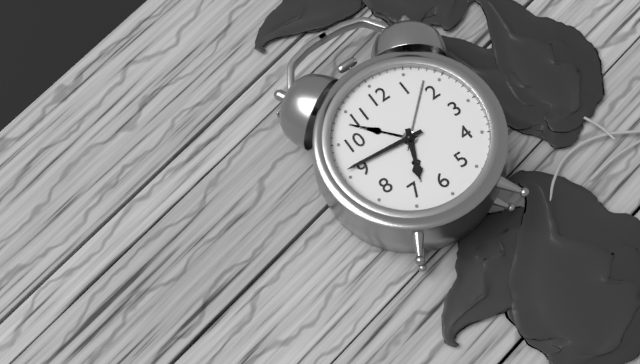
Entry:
h=6 m=46
